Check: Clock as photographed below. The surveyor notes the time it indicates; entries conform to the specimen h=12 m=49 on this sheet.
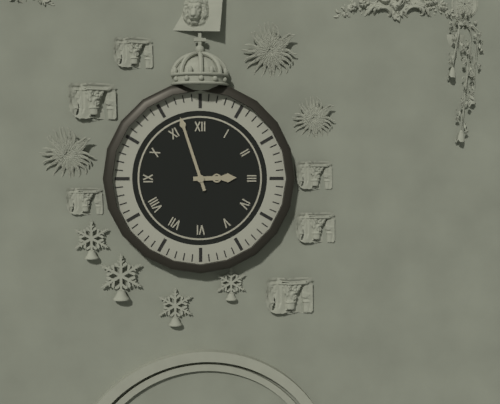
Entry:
h=2 m=57
